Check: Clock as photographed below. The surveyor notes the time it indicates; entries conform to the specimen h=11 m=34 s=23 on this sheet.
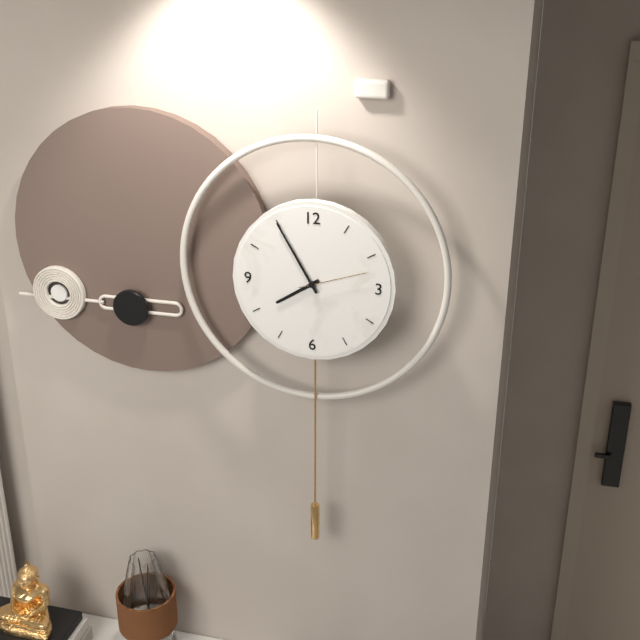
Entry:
h=7 m=55 s=12
